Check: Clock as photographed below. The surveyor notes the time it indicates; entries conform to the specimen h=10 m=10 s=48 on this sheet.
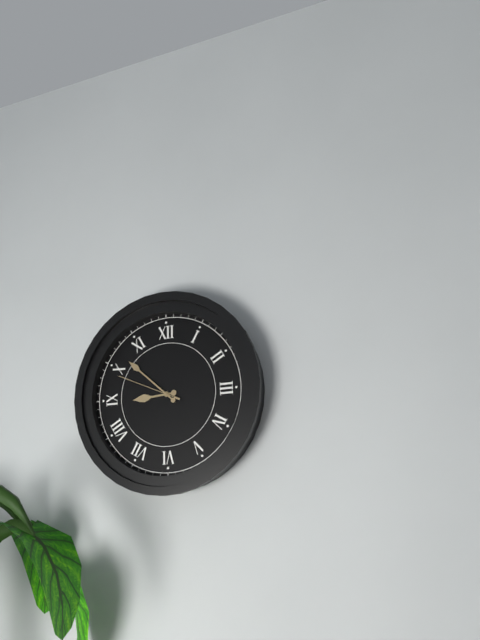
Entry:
h=8 m=52 s=49
